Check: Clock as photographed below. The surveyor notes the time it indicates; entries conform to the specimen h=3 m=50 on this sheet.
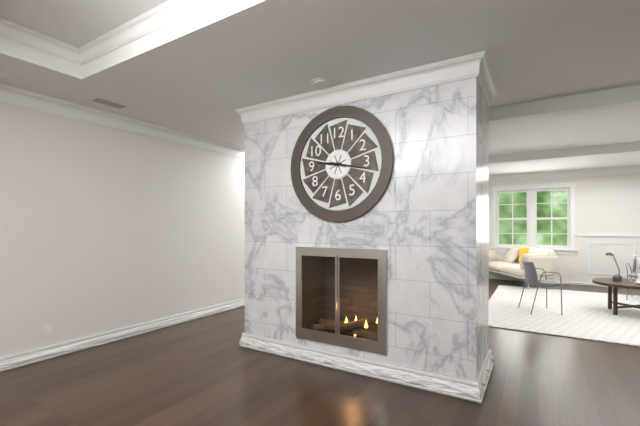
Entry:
h=9 m=17
